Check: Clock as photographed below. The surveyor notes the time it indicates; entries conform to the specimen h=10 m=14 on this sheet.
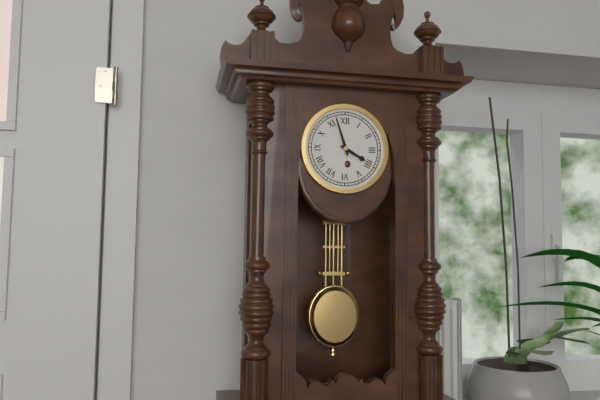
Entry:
h=3 m=57
